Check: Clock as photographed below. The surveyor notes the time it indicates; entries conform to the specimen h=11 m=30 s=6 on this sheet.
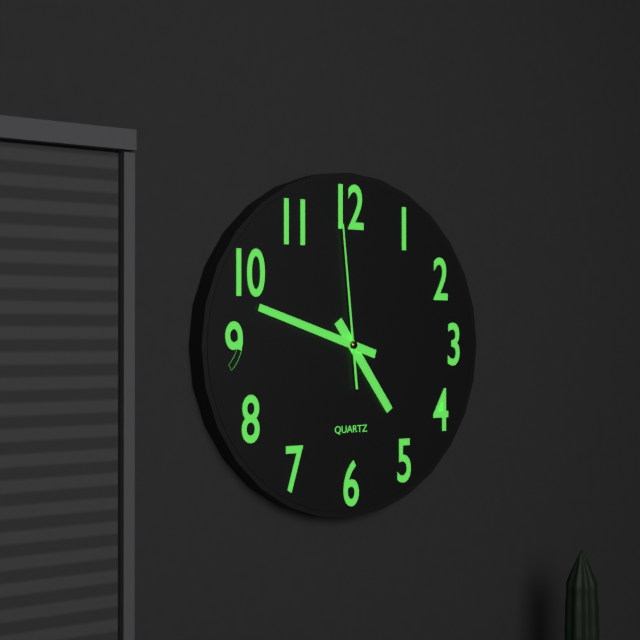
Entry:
h=4 m=48 s=59
